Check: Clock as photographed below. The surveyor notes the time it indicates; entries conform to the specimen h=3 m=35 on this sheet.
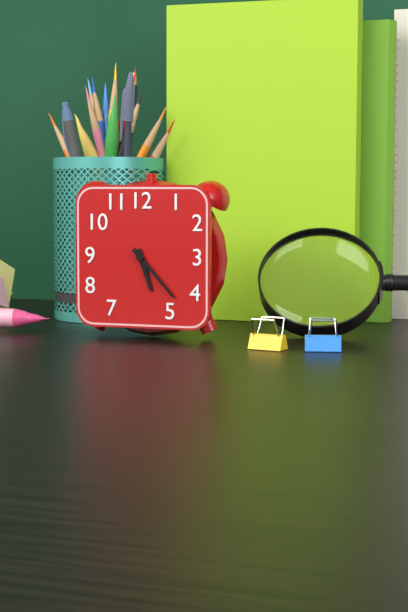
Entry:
h=5 m=23
